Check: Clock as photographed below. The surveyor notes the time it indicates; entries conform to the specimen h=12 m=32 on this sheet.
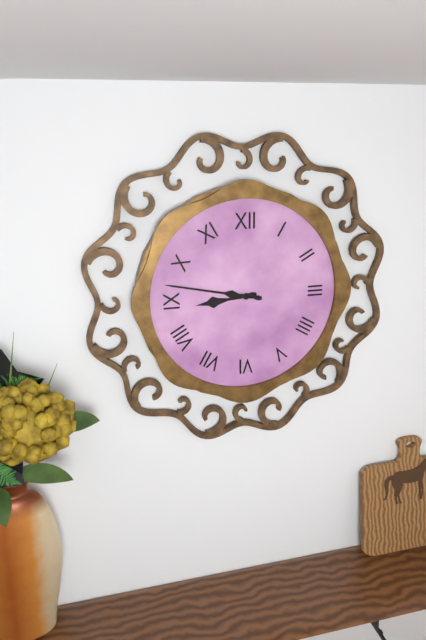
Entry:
h=8 m=47
